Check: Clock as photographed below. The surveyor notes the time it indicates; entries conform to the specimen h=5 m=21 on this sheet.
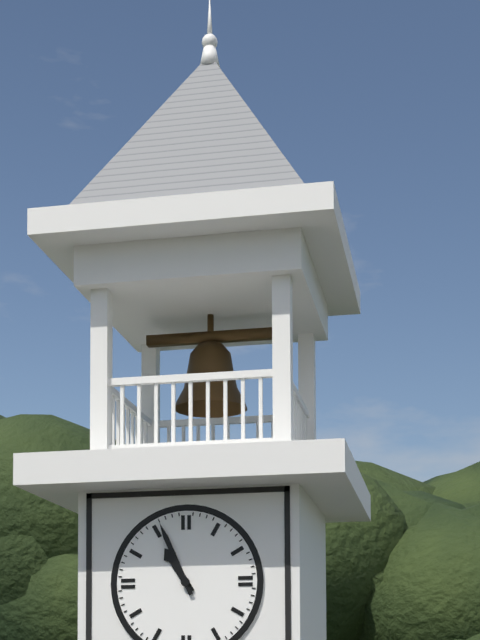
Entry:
h=10 m=56
